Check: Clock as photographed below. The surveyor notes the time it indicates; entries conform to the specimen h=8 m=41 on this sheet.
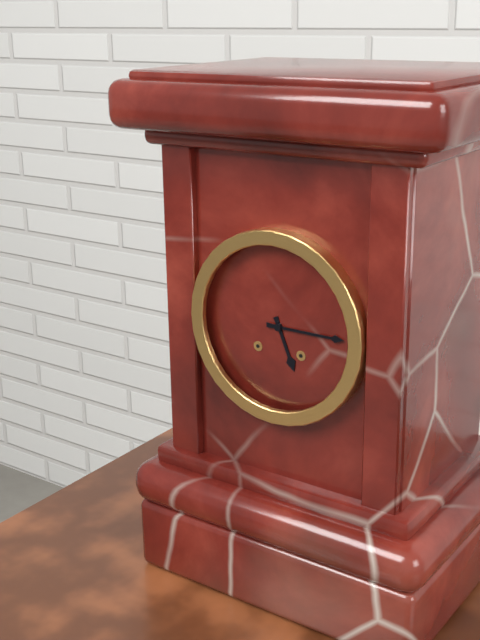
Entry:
h=5 m=15
